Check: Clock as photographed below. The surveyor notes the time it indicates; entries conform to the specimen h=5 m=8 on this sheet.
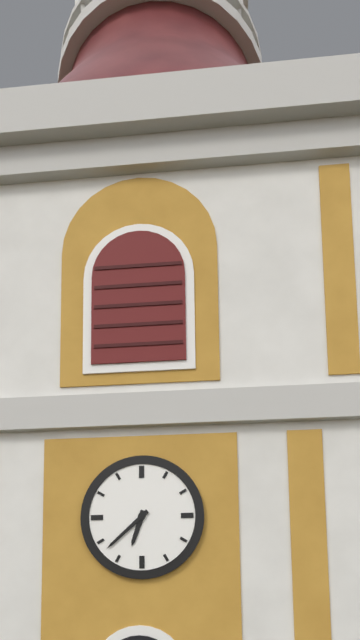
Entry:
h=6 m=38
